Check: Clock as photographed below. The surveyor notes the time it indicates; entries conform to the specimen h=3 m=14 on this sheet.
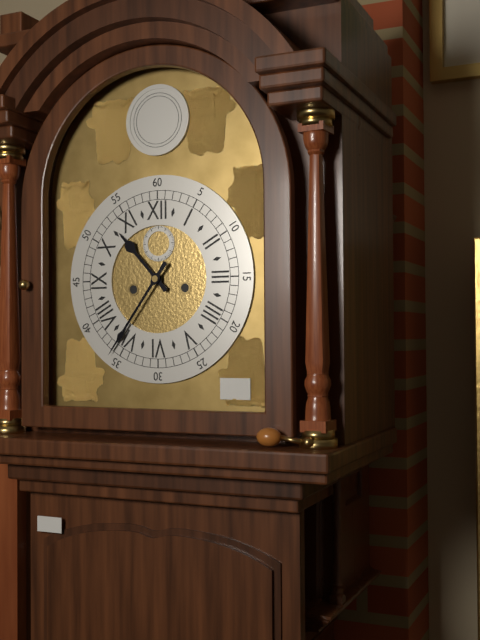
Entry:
h=10 m=36
